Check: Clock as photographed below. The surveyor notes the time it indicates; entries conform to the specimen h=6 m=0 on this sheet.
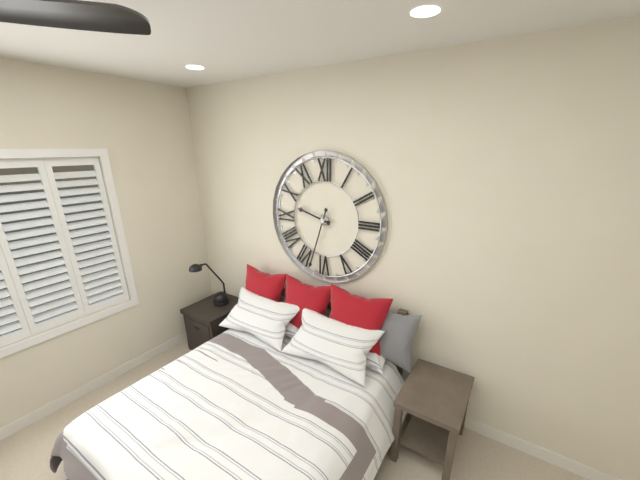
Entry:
h=9 m=33
